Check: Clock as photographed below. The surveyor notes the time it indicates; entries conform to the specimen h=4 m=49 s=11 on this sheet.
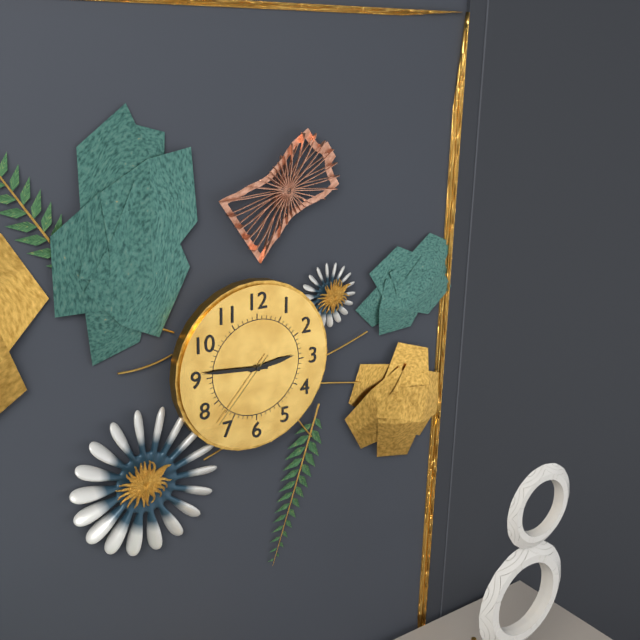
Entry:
h=2 m=46 s=37
